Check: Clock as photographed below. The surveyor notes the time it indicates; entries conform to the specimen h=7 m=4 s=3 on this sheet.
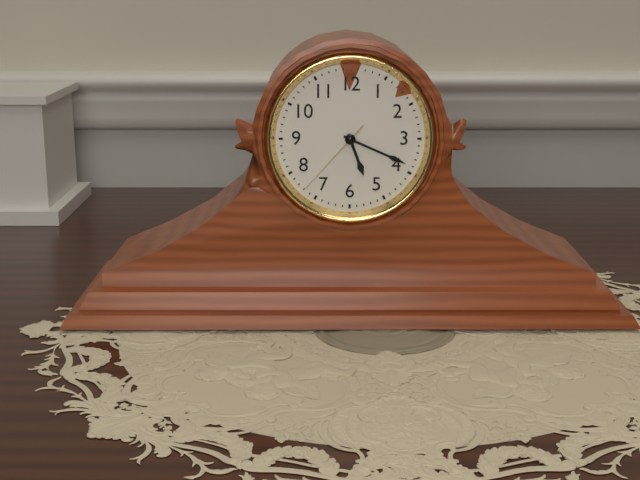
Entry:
h=5 m=19 s=37
